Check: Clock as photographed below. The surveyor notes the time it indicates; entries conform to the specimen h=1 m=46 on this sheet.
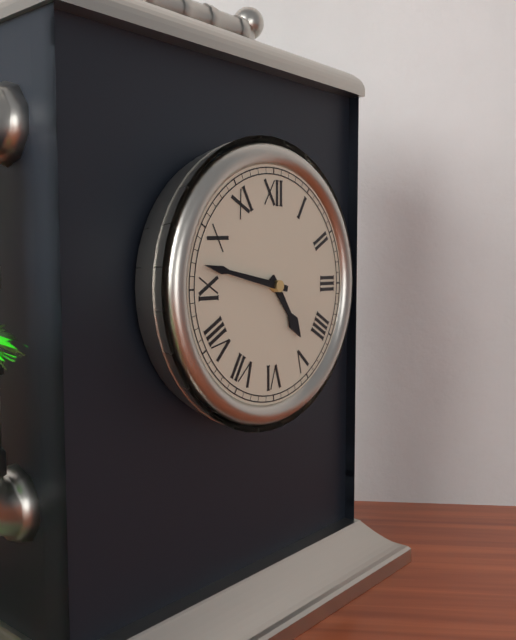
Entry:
h=4 m=47
